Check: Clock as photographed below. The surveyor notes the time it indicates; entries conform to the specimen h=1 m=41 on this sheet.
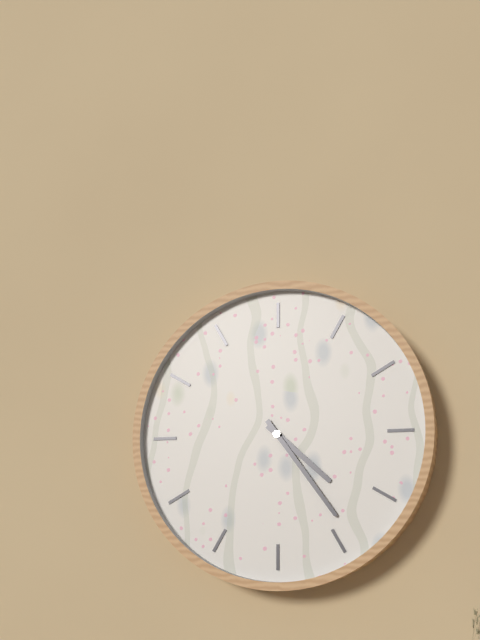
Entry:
h=4 m=24
